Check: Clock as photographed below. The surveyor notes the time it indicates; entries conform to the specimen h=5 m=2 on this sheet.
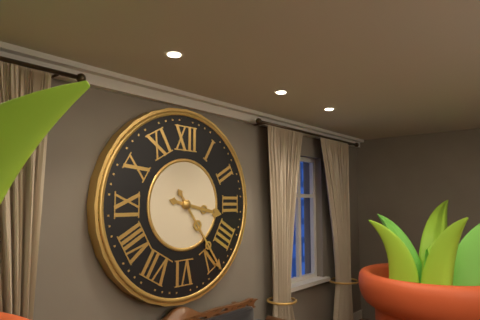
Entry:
h=3 m=24
